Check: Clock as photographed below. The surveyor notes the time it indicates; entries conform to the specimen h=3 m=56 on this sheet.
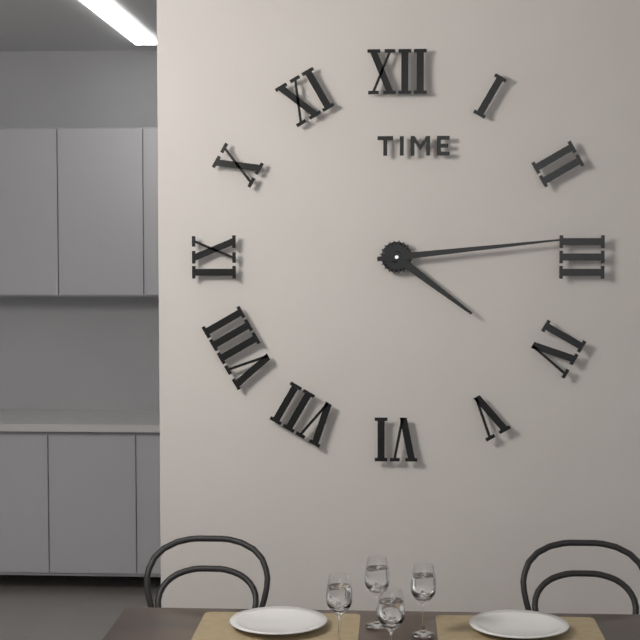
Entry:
h=4 m=14
